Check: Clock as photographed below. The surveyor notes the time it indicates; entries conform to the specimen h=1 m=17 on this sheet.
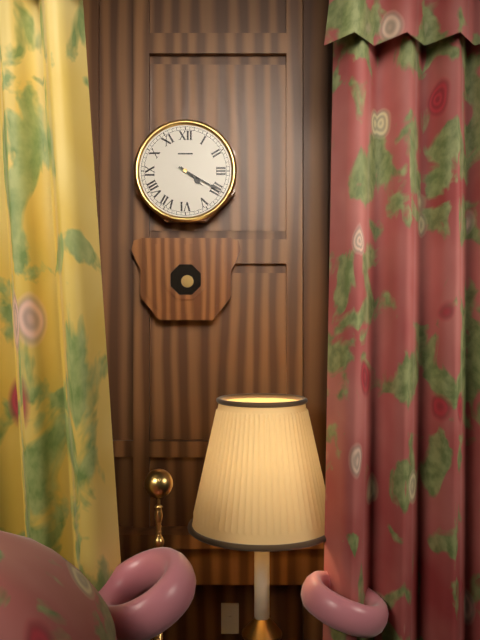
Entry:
h=4 m=20
